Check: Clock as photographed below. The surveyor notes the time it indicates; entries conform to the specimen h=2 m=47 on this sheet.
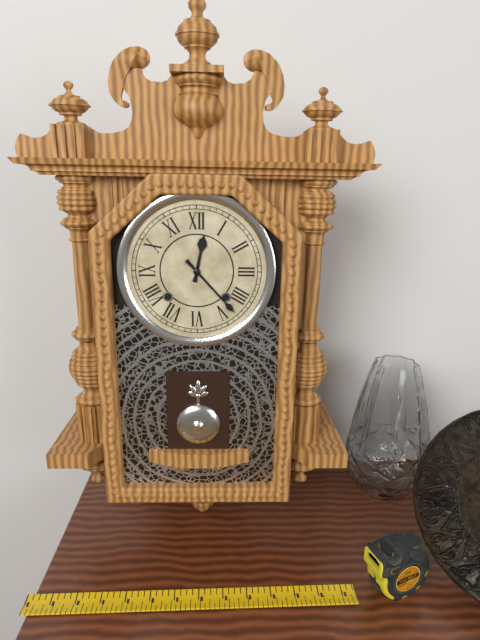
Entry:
h=12 m=23
